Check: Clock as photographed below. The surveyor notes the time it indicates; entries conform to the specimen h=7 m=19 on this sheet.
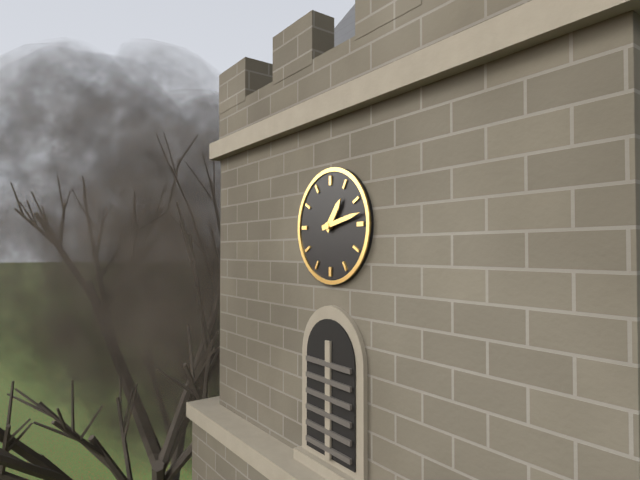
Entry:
h=1 m=13
